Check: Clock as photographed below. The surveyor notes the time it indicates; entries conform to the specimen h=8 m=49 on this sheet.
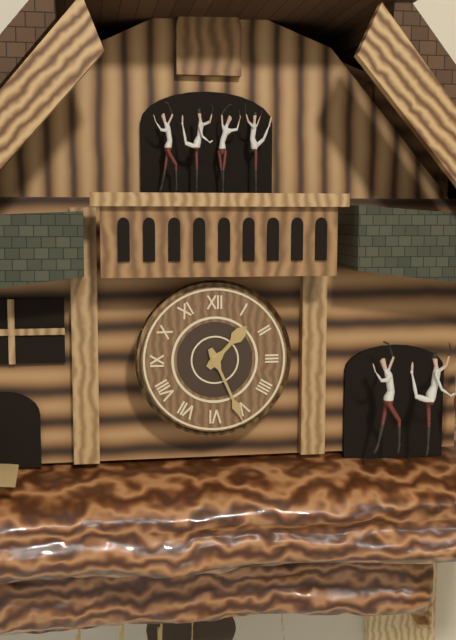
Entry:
h=1 m=26
